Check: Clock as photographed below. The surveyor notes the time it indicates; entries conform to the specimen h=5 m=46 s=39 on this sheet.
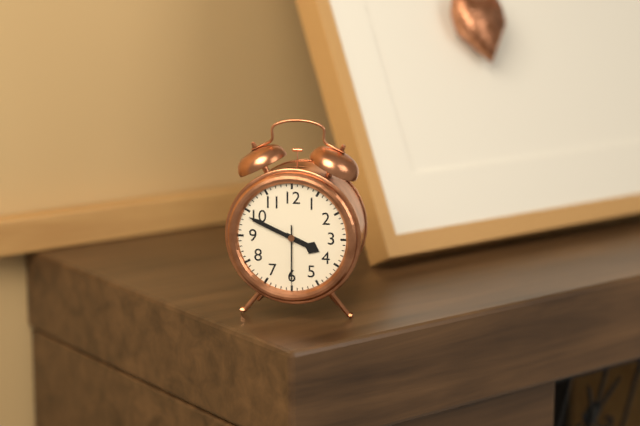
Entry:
h=3 m=49 s=30
